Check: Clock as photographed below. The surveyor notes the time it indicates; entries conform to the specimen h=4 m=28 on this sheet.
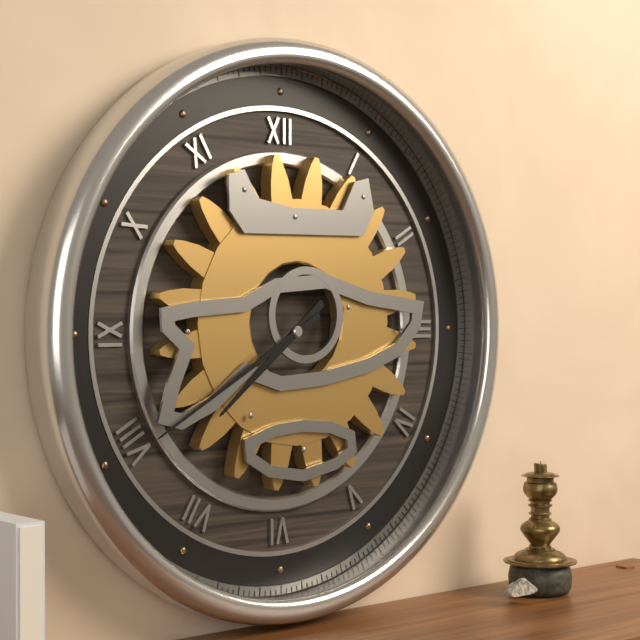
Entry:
h=7 m=40
